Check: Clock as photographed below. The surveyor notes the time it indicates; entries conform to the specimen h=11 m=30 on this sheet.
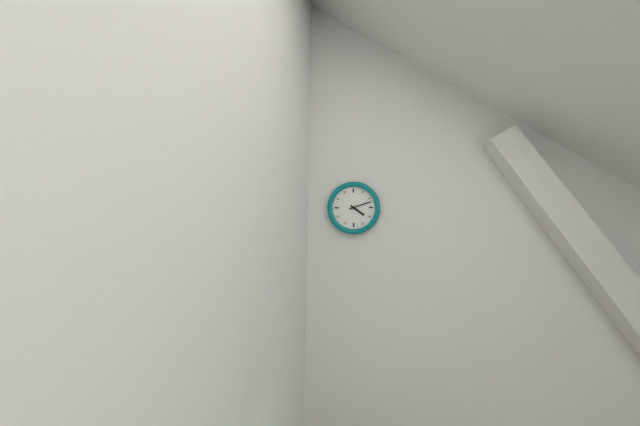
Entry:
h=4 m=12
